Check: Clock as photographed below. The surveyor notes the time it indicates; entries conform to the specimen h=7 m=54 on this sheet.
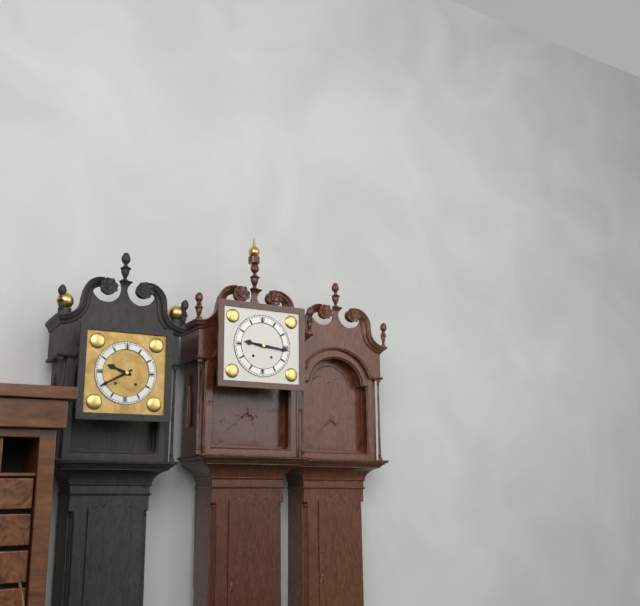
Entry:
h=9 m=16
